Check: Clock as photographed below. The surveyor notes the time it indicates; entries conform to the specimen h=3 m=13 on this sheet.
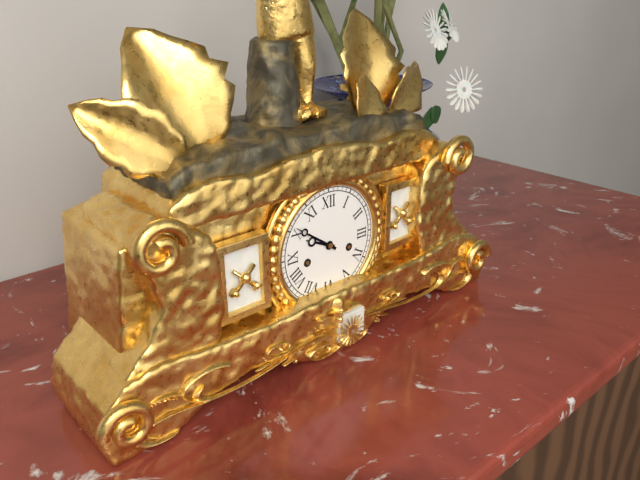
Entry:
h=9 m=51
